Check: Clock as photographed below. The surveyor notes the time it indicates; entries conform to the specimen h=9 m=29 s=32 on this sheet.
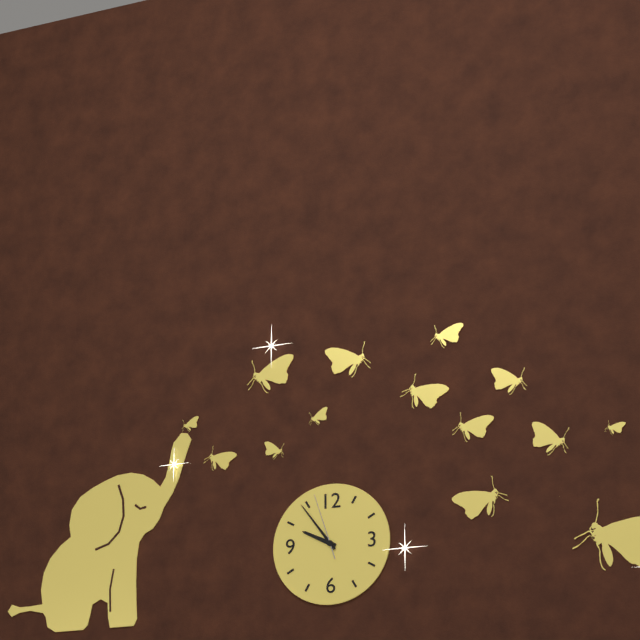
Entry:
h=9 m=54 s=57
